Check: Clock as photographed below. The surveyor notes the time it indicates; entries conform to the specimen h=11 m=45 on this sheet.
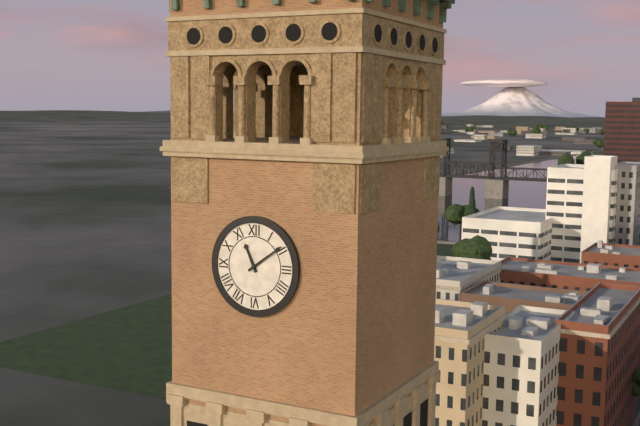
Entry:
h=11 m=9
